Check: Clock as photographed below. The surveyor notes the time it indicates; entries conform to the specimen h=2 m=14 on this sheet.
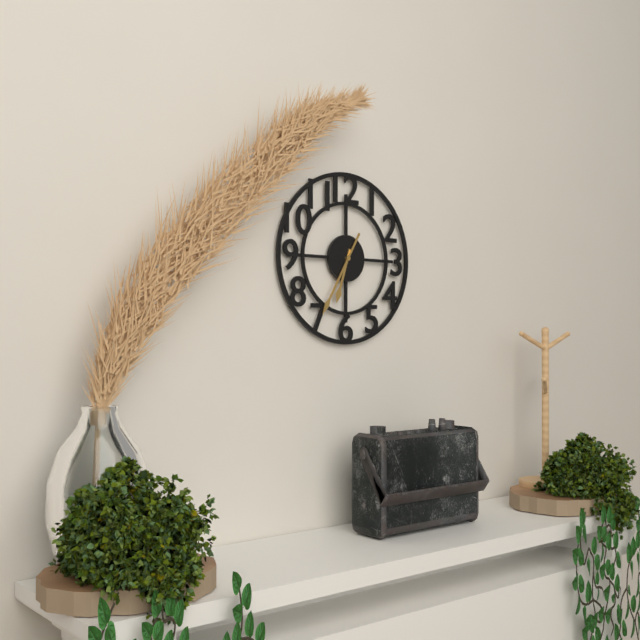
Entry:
h=6 m=35
